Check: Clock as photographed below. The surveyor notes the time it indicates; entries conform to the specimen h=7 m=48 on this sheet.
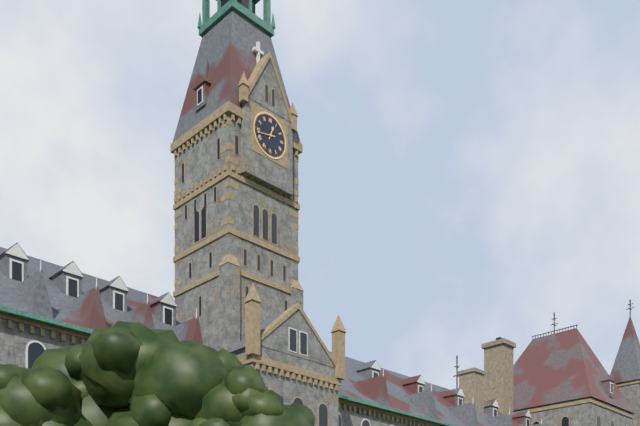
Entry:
h=12 m=43
